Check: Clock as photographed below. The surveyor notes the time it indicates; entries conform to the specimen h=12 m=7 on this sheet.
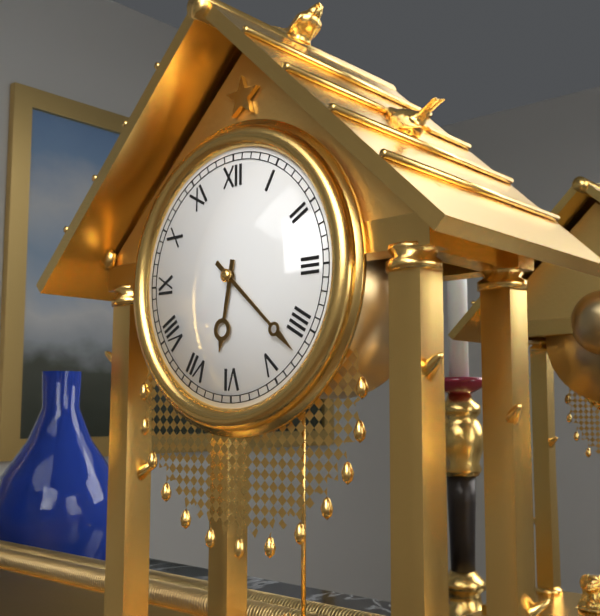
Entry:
h=6 m=22
